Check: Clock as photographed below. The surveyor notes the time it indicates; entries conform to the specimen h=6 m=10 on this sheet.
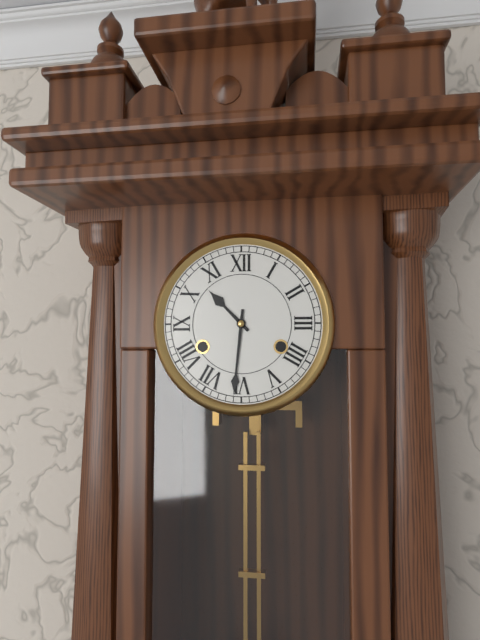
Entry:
h=10 m=31
